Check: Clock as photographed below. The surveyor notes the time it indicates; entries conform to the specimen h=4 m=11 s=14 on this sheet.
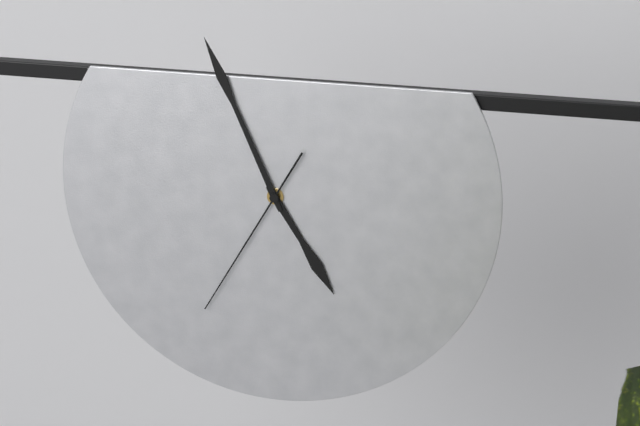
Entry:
h=4 m=56 s=35
